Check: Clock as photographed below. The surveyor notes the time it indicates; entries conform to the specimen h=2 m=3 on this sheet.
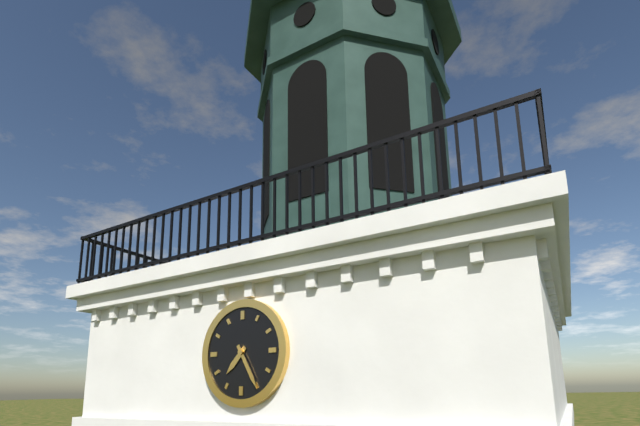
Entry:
h=7 m=25
